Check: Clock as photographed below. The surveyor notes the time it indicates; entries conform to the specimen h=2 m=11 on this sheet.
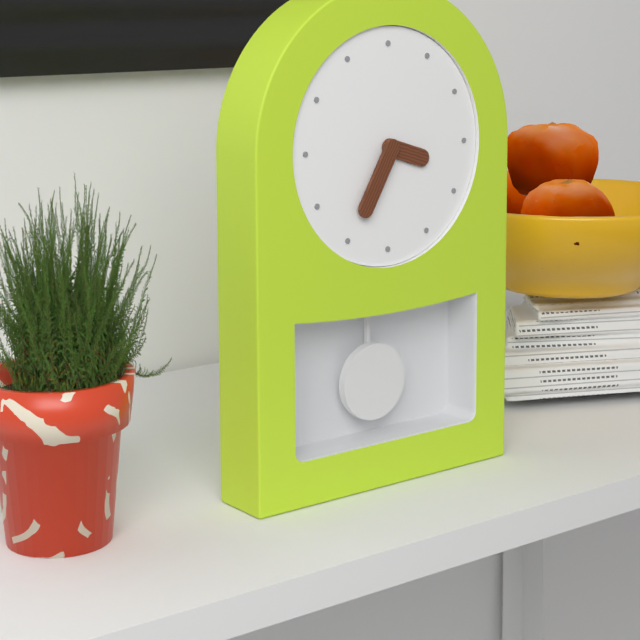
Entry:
h=3 m=35
